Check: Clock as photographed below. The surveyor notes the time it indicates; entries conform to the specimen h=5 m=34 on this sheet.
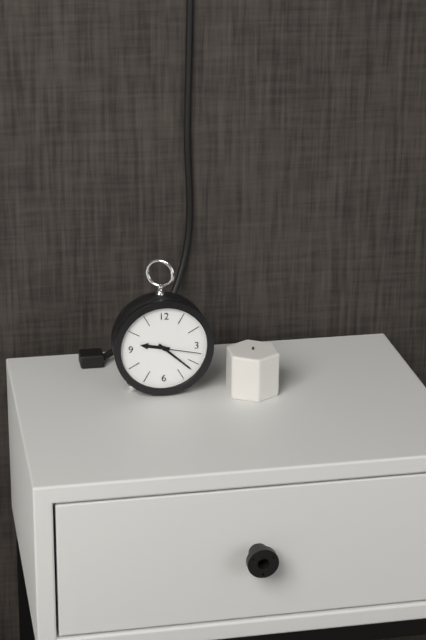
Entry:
h=9 m=22
